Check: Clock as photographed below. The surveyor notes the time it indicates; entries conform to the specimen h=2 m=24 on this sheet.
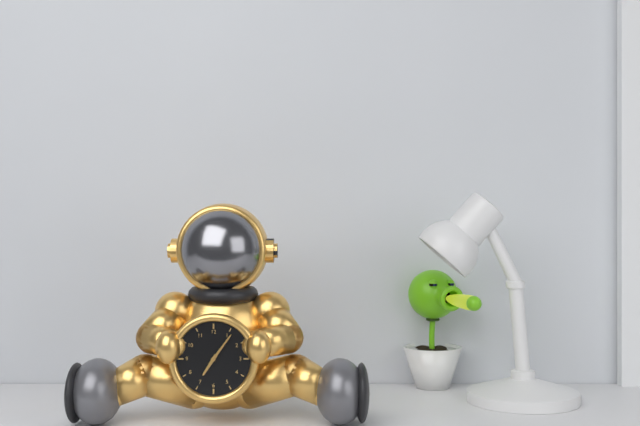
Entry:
h=7 m=6
